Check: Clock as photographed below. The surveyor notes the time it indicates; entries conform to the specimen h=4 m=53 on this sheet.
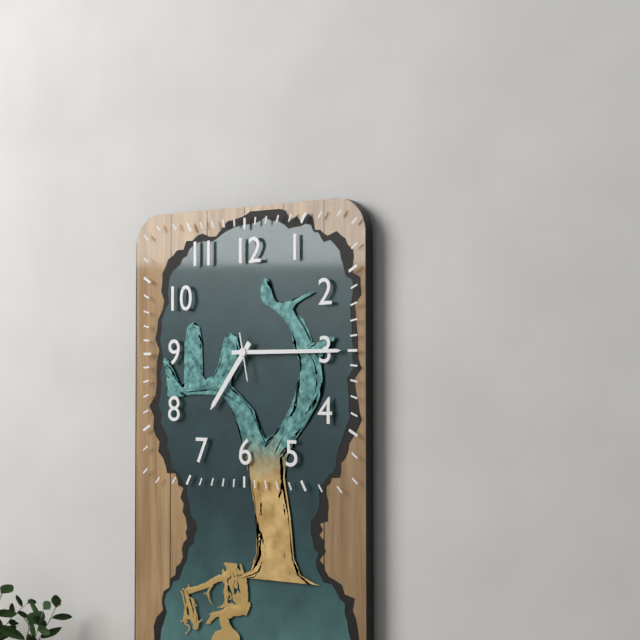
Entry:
h=7 m=15
